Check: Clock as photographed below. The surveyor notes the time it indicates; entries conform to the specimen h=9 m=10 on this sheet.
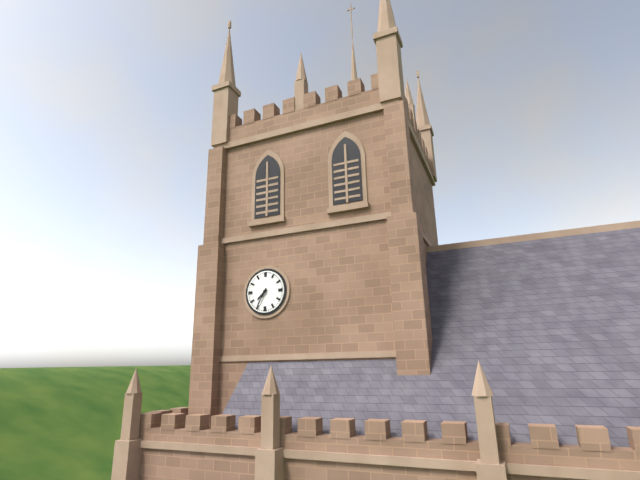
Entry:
h=7 m=35
